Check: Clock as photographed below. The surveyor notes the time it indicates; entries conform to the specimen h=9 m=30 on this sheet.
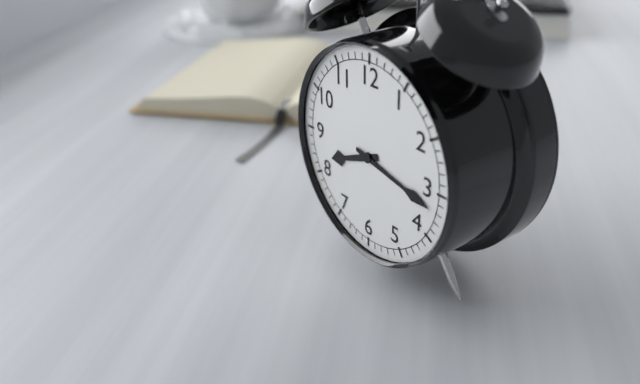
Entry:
h=8 m=17
